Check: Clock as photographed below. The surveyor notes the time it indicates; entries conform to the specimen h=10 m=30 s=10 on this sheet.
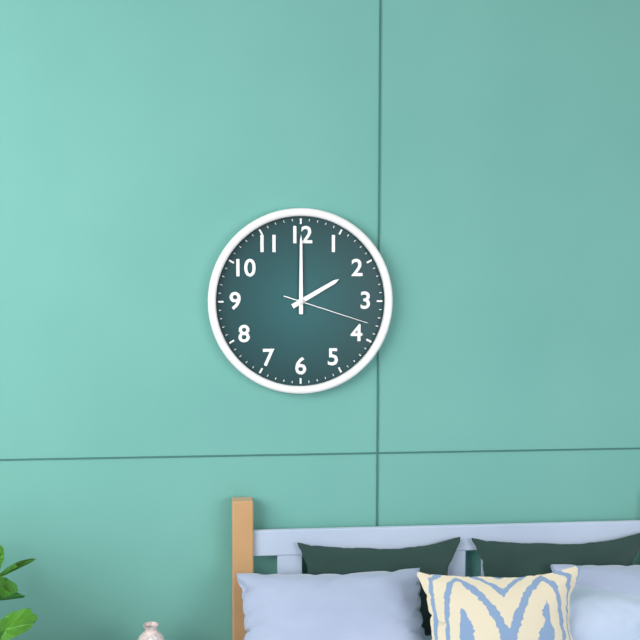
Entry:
h=2 m=0 s=18
